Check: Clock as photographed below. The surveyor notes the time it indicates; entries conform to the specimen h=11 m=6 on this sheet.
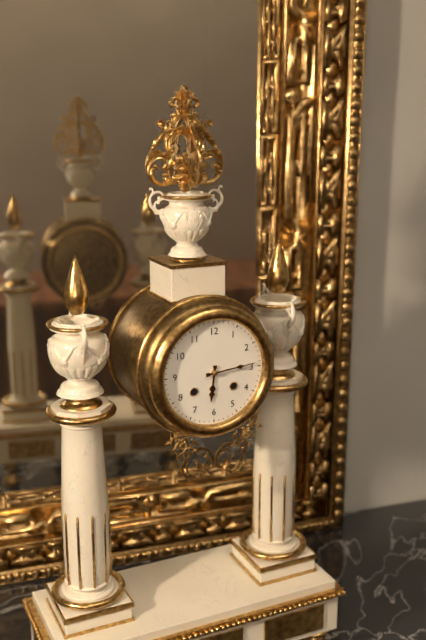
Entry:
h=6 m=14
